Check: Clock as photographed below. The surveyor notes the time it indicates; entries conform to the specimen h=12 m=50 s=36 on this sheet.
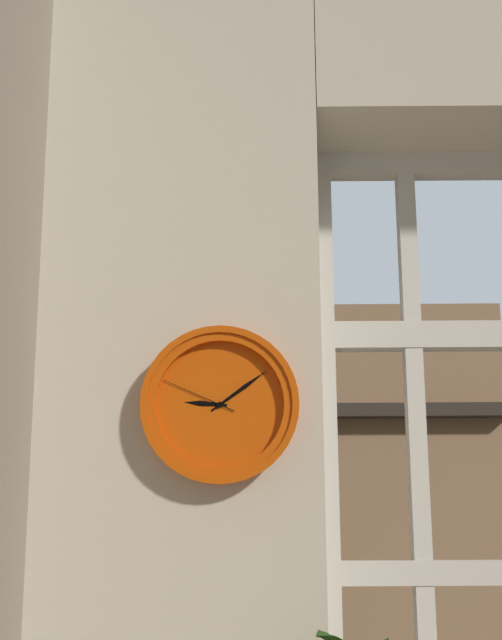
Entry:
h=9 m=9 s=49
